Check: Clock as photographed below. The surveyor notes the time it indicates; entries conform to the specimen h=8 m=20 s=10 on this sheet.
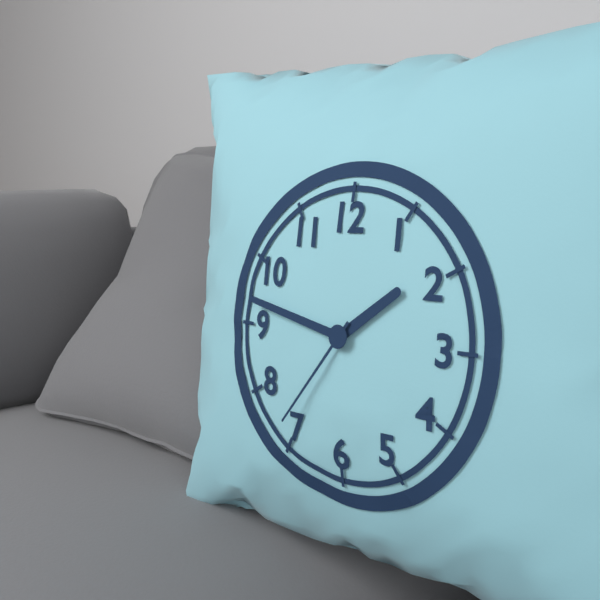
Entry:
h=1 m=47 s=36
